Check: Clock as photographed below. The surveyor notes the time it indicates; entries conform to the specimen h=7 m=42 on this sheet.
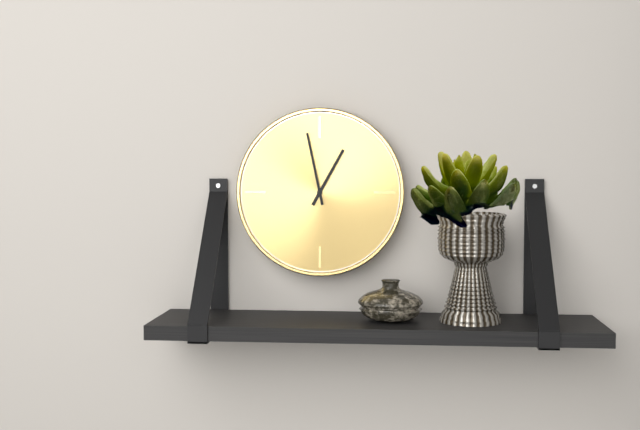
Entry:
h=12 m=58
